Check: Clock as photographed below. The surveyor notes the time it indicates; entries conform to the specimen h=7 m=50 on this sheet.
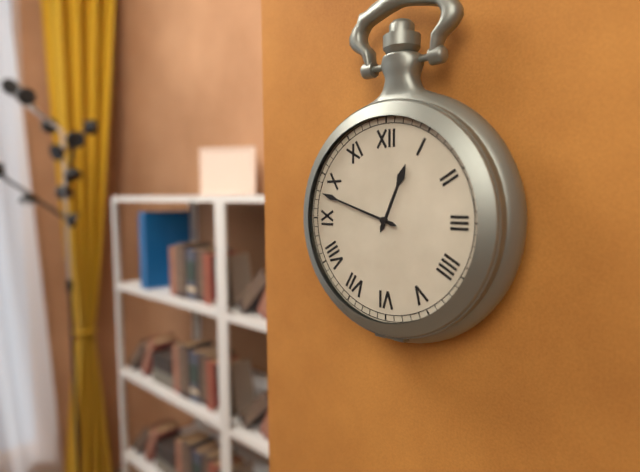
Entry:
h=12 m=48
